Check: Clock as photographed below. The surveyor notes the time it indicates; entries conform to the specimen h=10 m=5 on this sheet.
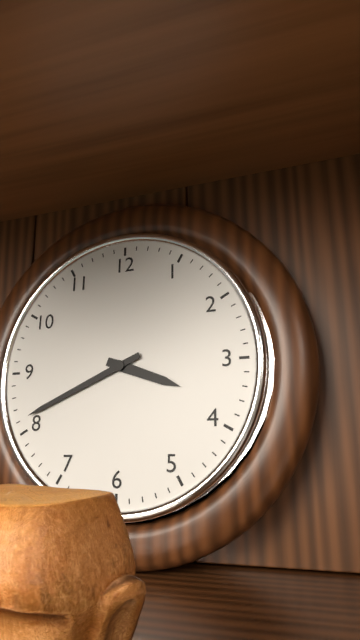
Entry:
h=3 m=41
